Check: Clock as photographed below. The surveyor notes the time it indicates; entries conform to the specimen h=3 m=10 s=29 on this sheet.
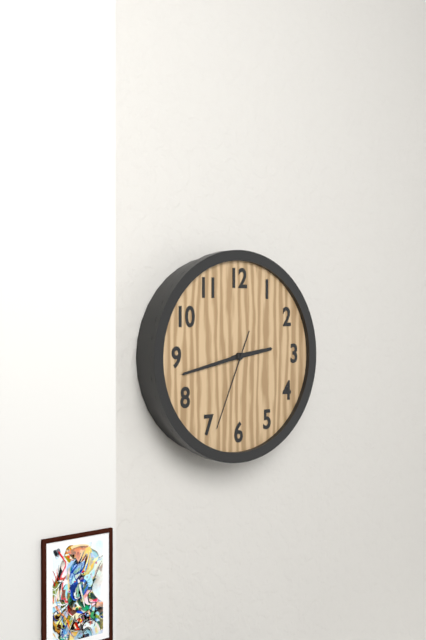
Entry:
h=2 m=43 s=34
